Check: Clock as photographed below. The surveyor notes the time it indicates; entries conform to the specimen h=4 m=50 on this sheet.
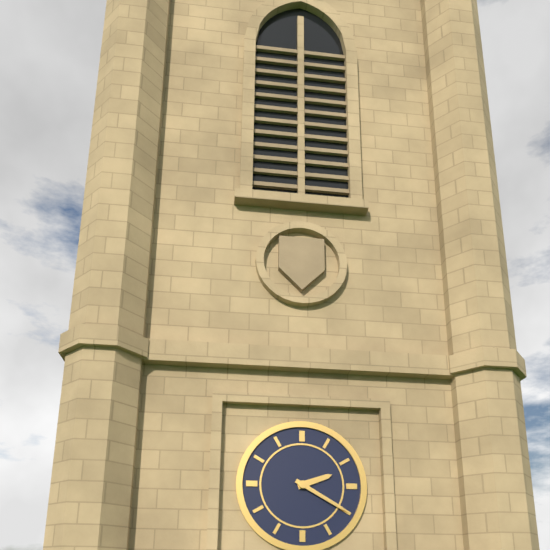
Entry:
h=2 m=20
